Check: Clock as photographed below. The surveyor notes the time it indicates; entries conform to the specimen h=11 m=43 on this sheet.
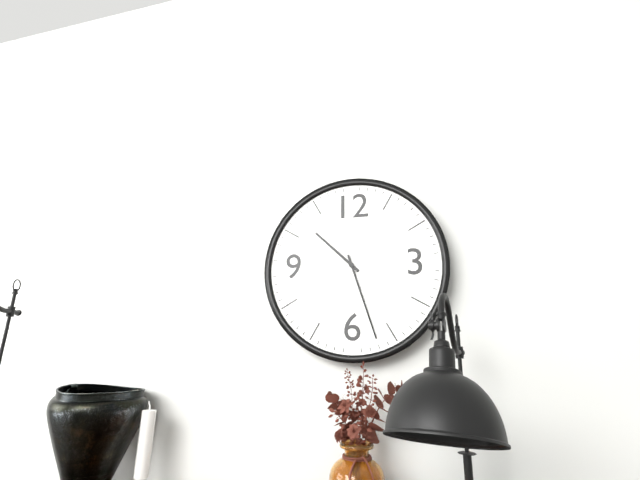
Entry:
h=10 m=27
